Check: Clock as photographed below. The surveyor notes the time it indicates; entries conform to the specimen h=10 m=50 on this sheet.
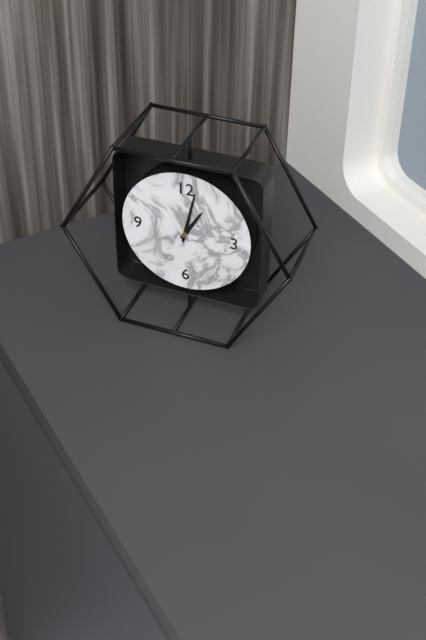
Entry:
h=1 m=2
